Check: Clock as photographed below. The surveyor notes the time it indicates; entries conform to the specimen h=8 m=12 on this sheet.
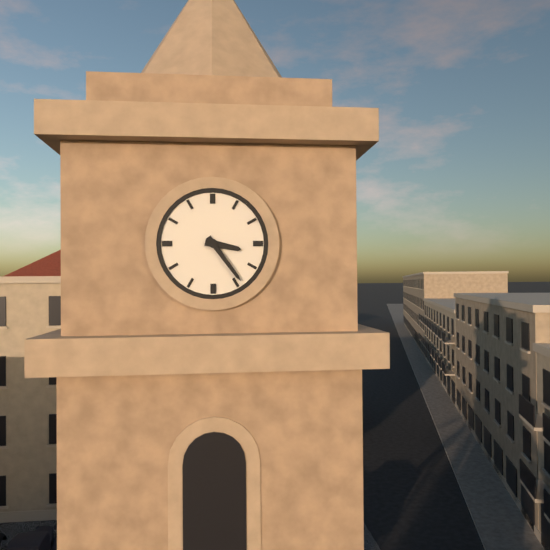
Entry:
h=3 m=24
